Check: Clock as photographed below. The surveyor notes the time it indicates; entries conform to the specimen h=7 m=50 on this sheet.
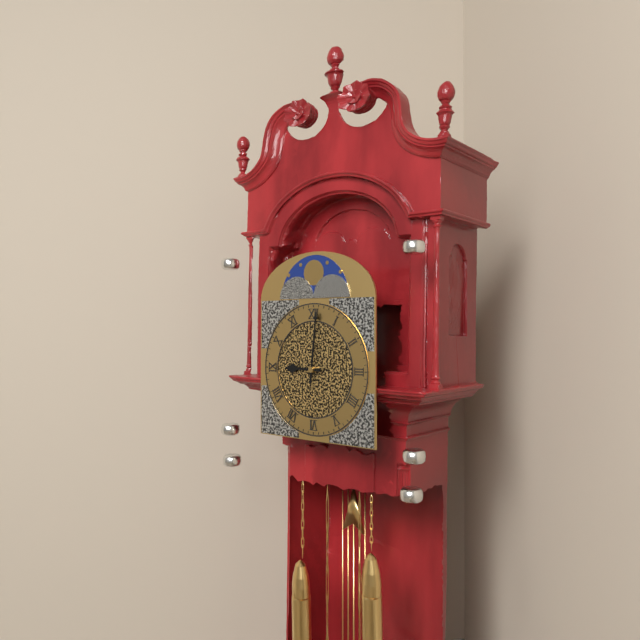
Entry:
h=9 m=1
